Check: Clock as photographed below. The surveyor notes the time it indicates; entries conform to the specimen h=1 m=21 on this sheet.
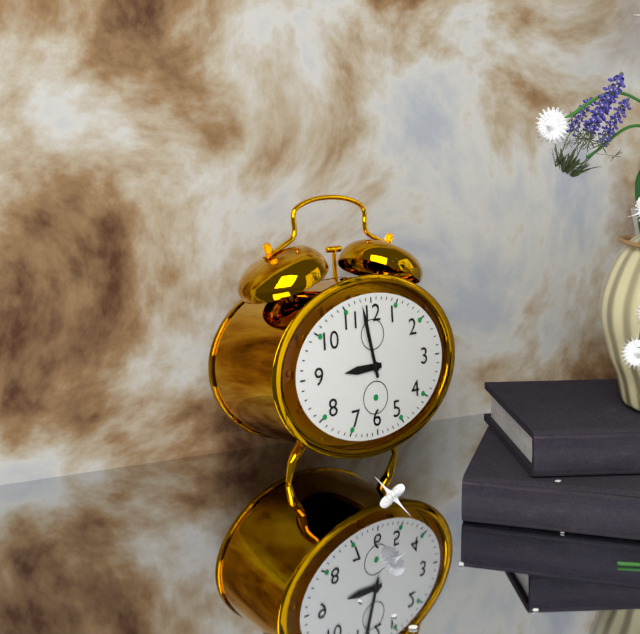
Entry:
h=8 m=58
